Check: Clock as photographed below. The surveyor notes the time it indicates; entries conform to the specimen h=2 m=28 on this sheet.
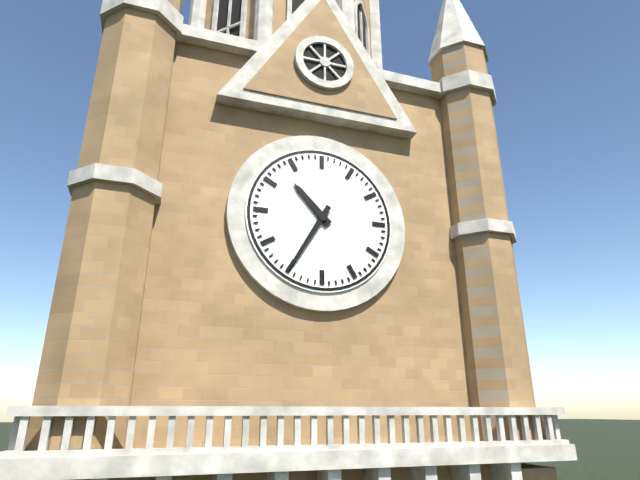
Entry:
h=10 m=35
